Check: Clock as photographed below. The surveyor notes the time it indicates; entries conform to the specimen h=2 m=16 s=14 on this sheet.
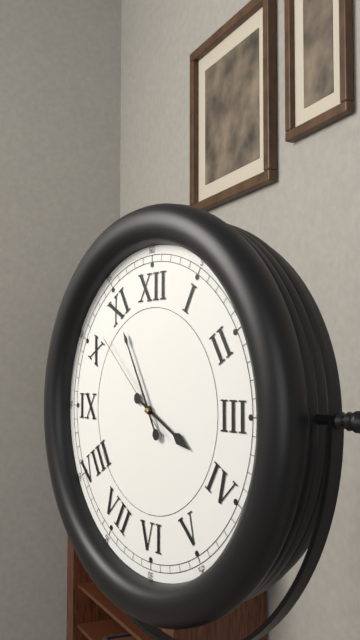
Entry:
h=3 m=55 s=52
